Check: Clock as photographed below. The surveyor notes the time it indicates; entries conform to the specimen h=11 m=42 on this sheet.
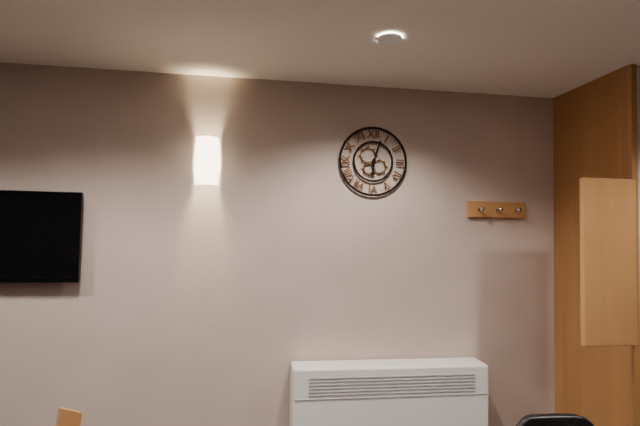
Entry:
h=6 m=3
